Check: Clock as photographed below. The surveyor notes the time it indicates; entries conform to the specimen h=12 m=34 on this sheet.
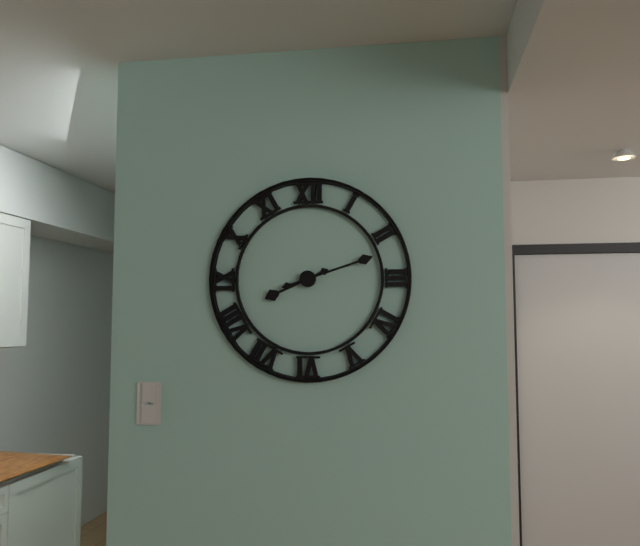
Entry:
h=8 m=12
